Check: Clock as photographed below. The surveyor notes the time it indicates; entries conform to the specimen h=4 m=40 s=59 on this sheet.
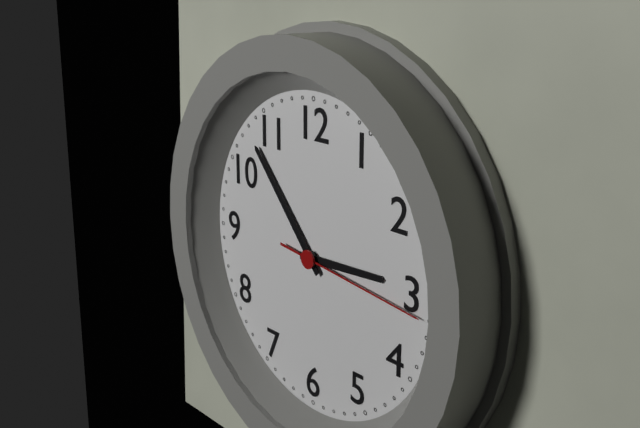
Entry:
h=2 m=53 s=16
